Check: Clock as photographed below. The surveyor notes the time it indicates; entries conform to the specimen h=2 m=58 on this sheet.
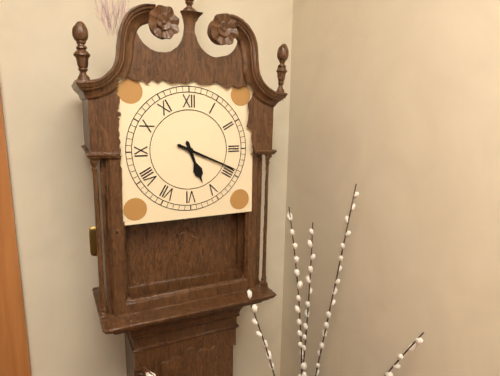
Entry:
h=5 m=19
